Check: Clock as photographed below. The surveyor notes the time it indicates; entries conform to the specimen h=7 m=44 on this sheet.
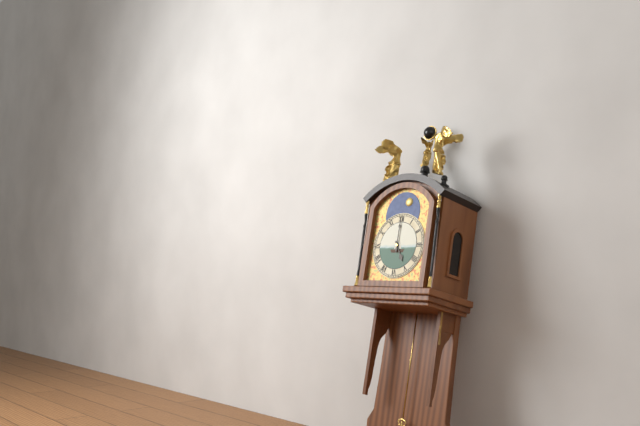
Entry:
h=5 m=0
